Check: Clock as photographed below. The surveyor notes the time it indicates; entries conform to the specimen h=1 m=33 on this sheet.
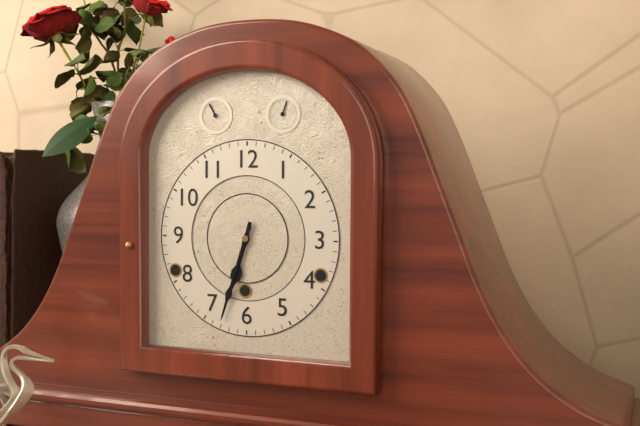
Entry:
h=6 m=33
